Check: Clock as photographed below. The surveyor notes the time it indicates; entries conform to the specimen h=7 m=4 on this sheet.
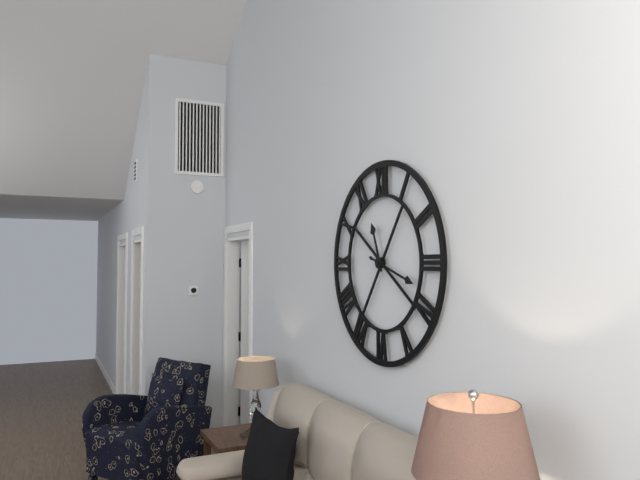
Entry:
h=11 m=18
